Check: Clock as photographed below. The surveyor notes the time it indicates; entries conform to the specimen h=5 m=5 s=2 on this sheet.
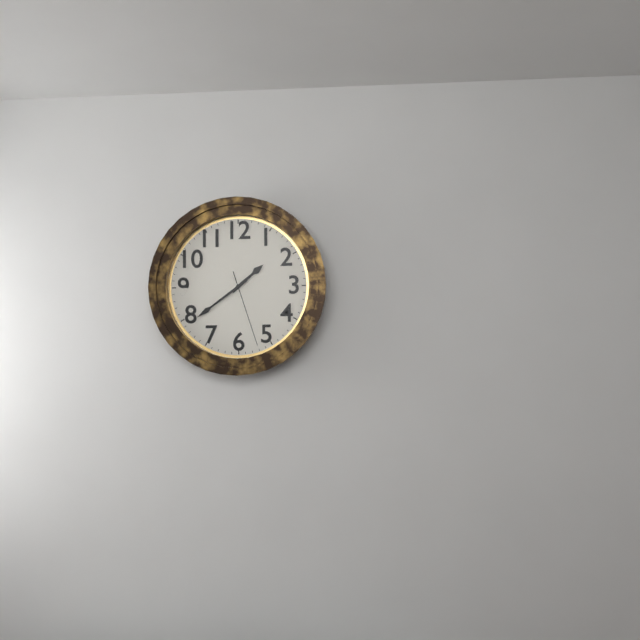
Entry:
h=1 m=39 s=27
